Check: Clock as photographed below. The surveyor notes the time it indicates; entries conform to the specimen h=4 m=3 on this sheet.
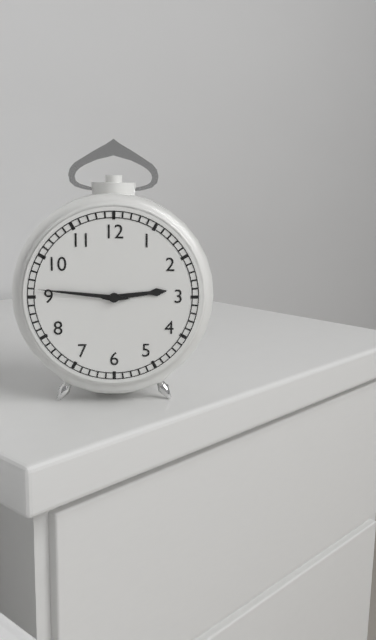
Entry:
h=2 m=46
